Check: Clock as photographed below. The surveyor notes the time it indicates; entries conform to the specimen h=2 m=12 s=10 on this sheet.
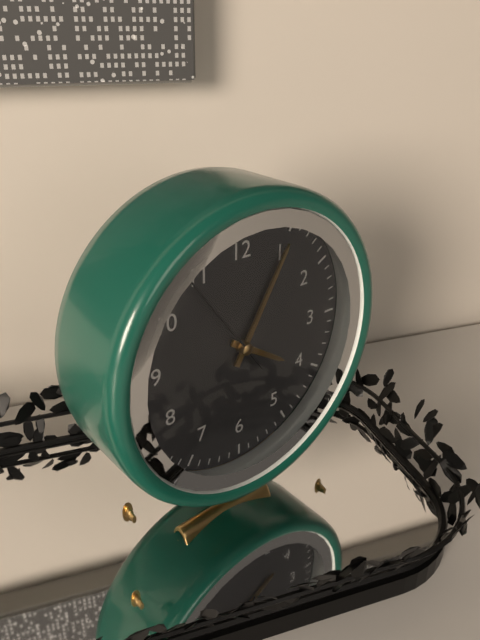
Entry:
h=4 m=5 s=54
